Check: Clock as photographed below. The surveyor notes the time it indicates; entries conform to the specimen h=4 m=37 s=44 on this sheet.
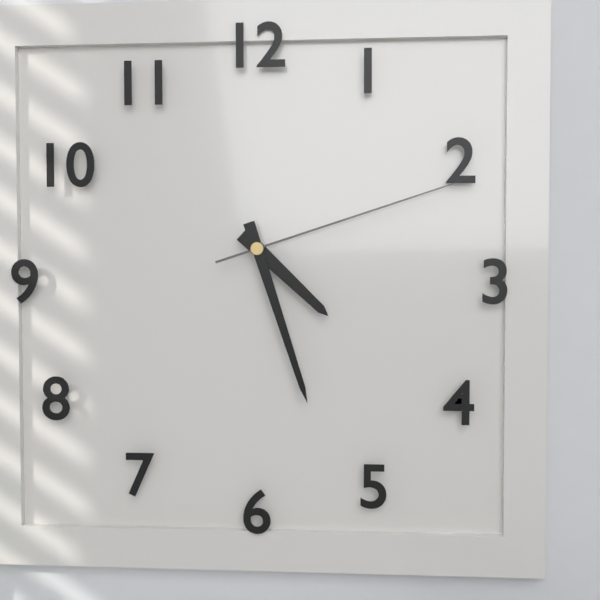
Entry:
h=4 m=27 s=12
